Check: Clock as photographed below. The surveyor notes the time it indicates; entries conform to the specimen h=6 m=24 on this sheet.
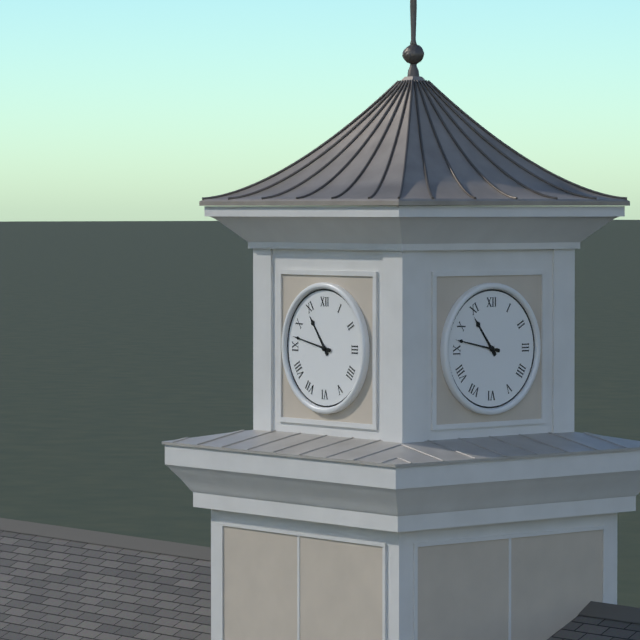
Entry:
h=10 m=47
